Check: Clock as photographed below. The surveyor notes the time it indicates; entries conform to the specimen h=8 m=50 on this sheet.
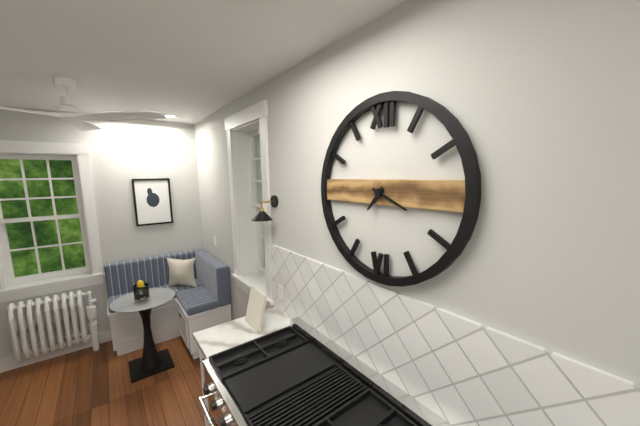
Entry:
h=7 m=19
